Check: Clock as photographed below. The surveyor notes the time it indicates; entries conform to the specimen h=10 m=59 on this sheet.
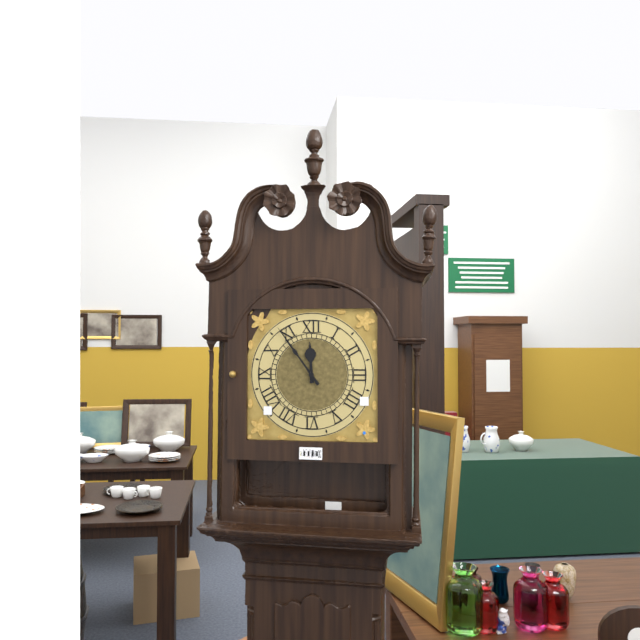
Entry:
h=11 m=54
